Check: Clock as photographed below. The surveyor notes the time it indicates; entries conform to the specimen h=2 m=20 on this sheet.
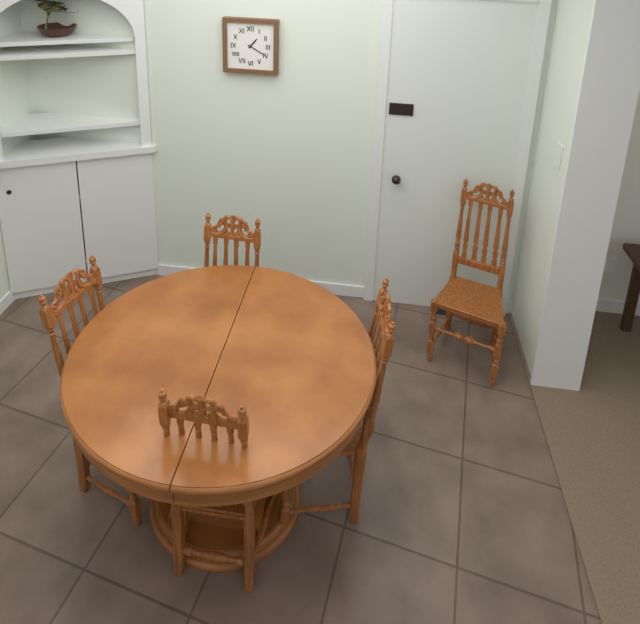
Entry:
h=1 m=20
